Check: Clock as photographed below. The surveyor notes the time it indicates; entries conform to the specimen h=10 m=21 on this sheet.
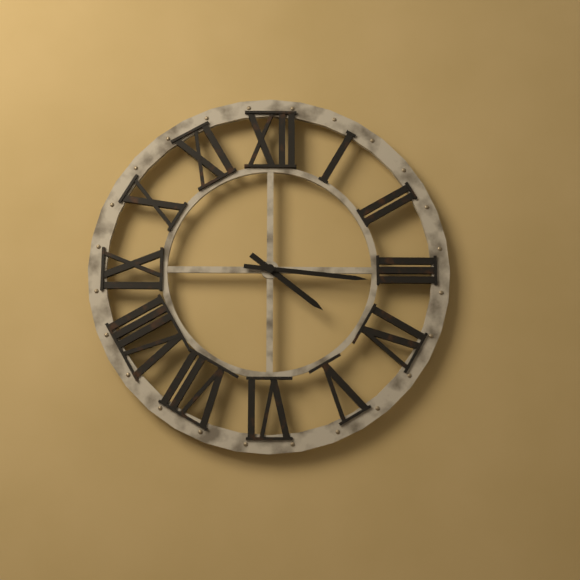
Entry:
h=4 m=16
